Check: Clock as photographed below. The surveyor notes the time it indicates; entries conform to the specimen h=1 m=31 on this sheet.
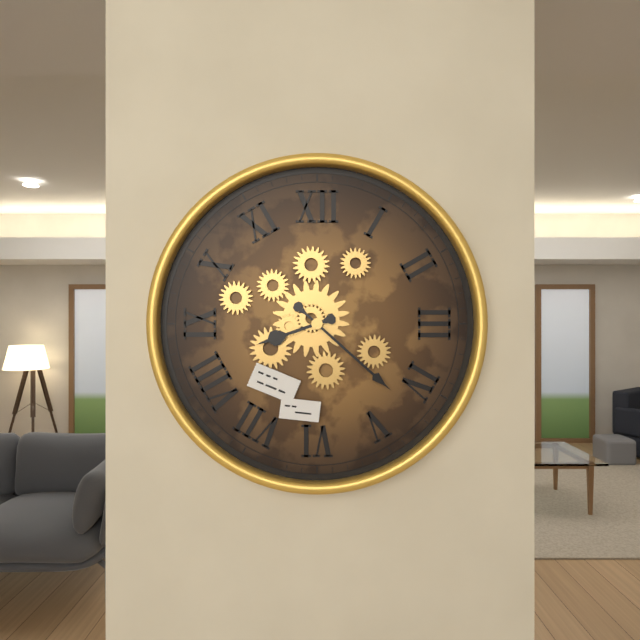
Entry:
h=8 m=22
